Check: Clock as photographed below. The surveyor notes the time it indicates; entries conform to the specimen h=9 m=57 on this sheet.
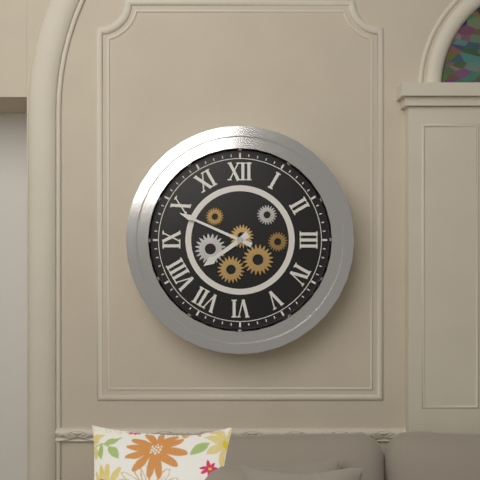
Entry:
h=7 m=49
